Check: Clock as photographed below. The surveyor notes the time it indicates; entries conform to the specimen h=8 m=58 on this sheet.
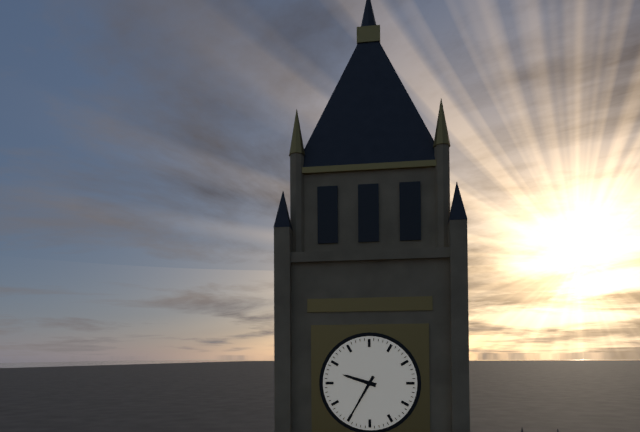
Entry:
h=9 m=35
